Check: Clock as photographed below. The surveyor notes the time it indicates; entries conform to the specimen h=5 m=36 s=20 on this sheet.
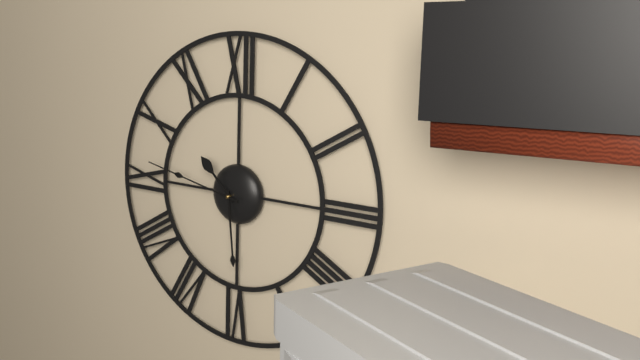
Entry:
h=10 m=29 s=47
